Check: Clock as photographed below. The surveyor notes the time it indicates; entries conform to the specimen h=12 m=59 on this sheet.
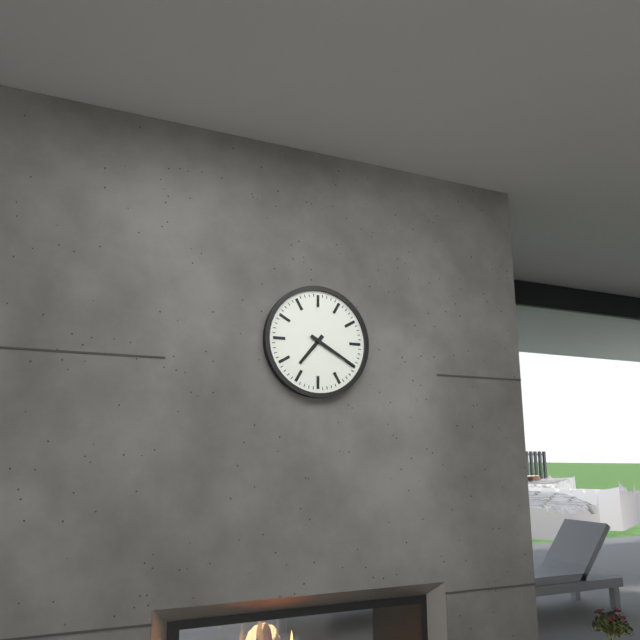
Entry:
h=7 m=20
